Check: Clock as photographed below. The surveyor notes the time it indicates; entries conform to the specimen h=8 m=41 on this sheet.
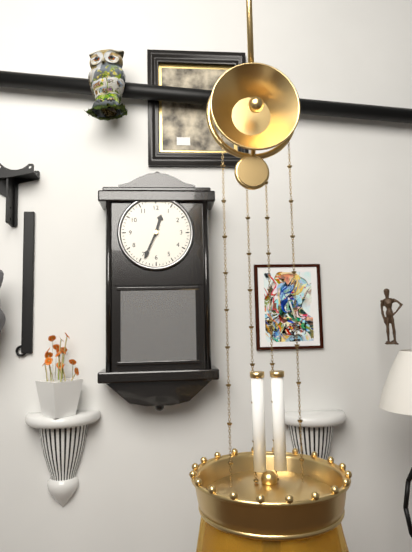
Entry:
h=12 m=34
